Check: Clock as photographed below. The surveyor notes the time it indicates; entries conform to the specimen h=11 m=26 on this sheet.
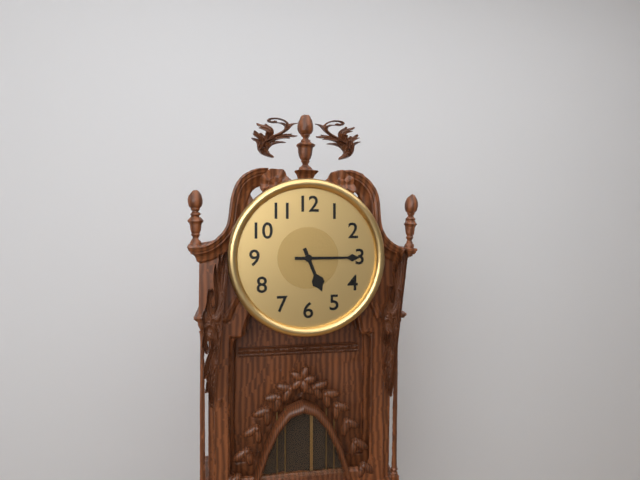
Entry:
h=5 m=15
